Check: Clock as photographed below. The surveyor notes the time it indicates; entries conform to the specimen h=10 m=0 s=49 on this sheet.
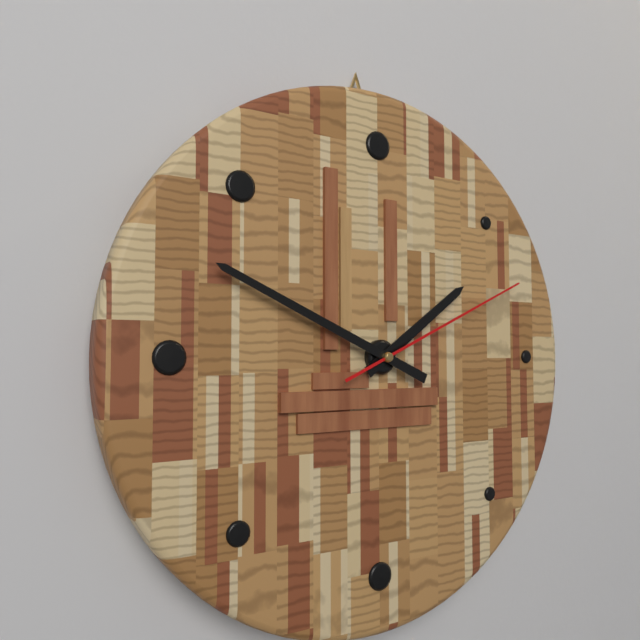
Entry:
h=1 m=49 s=11
